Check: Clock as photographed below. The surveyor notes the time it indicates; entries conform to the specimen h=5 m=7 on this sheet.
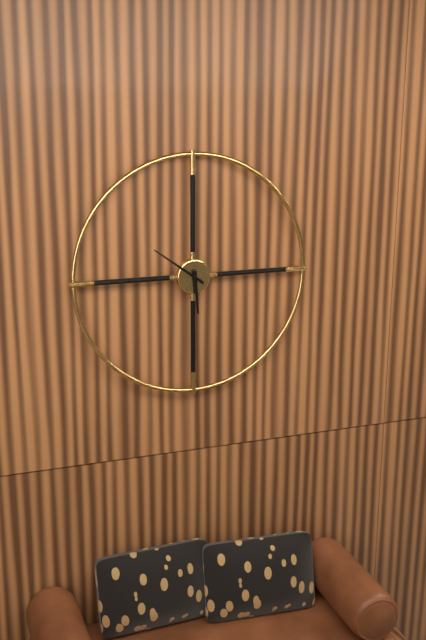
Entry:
h=5 m=51
